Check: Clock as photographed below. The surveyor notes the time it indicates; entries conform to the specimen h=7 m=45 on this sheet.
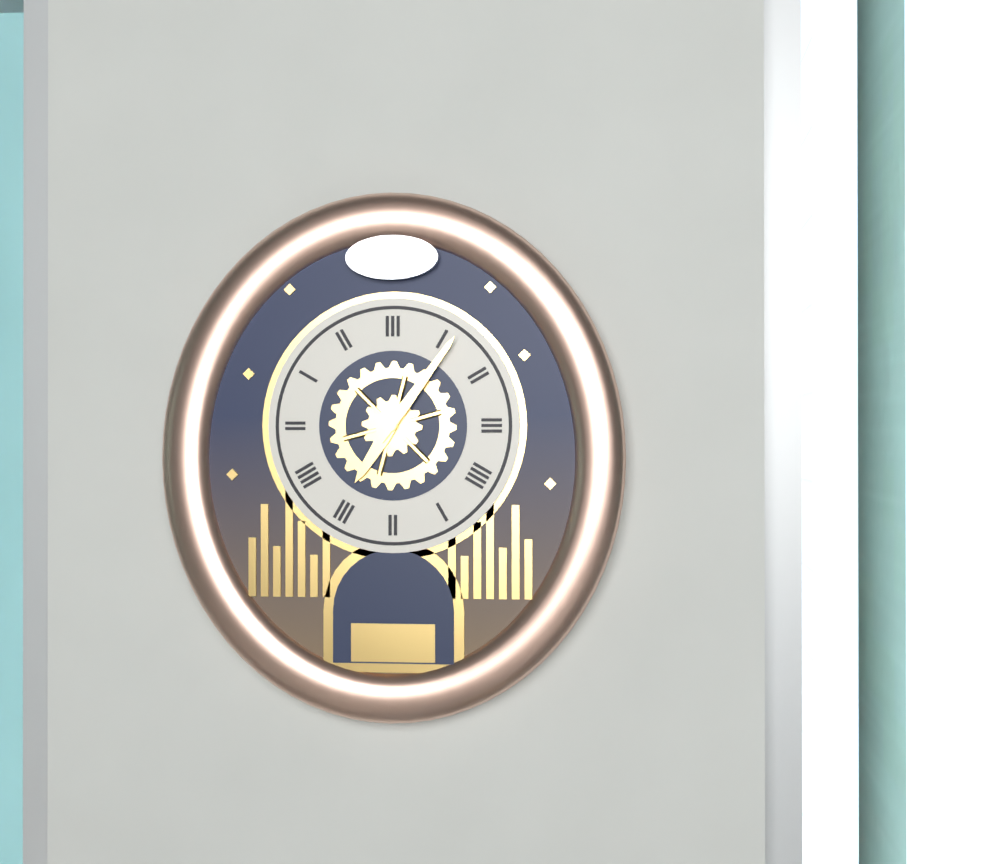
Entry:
h=7 m=6
